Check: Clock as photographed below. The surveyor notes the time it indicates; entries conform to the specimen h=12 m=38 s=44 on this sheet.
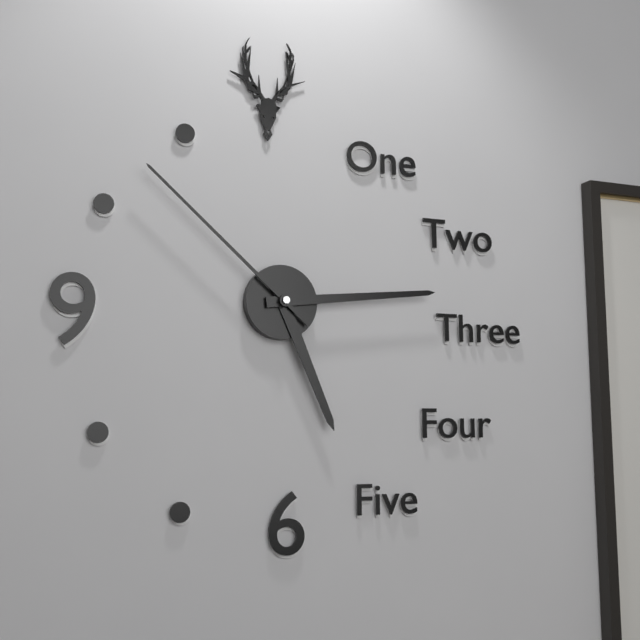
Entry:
h=5 m=14 s=52
